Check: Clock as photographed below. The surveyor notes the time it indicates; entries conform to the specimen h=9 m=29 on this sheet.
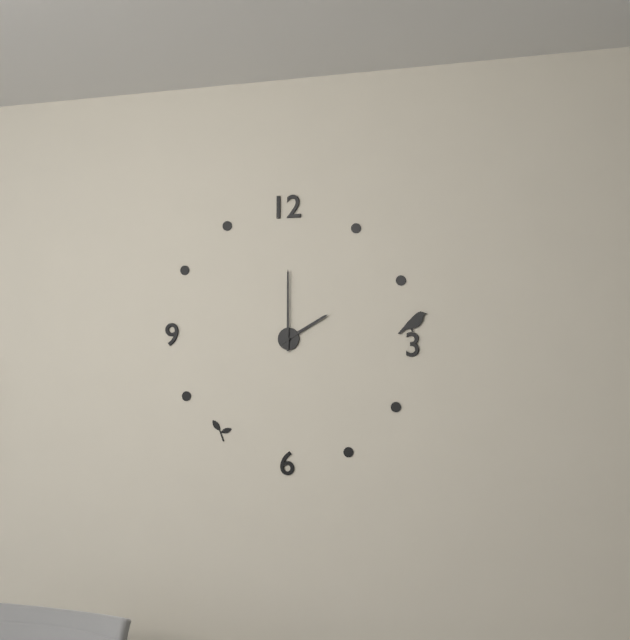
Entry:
h=2 m=0
